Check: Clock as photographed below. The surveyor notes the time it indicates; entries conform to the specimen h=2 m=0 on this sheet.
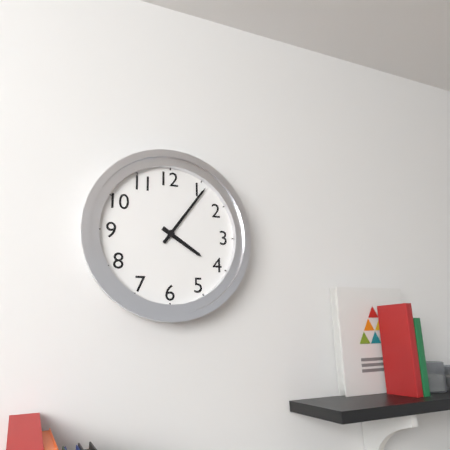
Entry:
h=4 m=6
